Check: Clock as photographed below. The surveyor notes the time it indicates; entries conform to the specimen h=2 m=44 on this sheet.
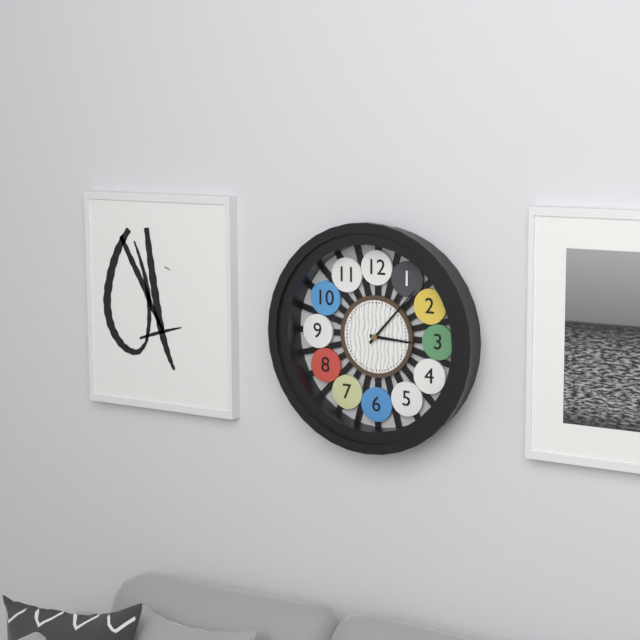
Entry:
h=3 m=7
